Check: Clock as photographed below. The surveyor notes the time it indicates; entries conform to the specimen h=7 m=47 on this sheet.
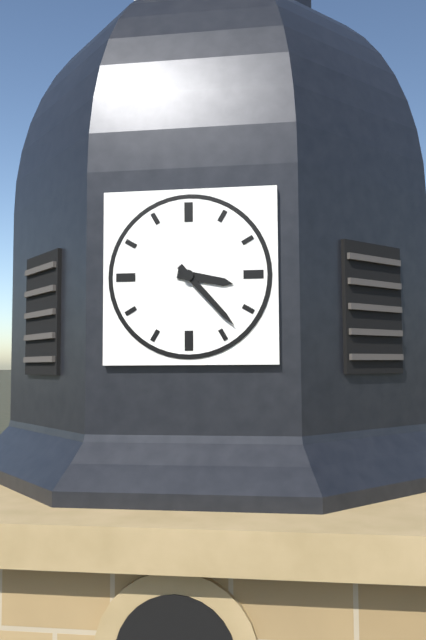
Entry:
h=3 m=23
